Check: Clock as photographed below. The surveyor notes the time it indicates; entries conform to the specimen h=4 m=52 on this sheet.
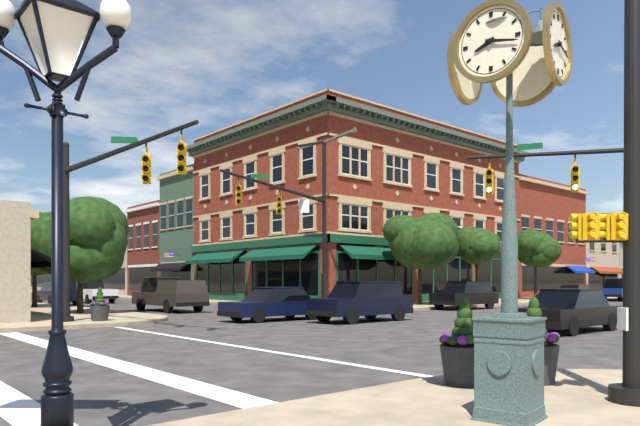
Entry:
h=8 m=17
